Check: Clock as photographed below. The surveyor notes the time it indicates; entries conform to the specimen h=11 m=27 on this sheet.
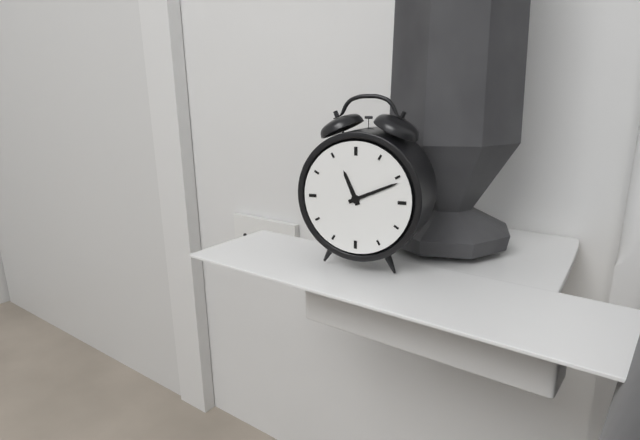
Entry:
h=11 m=11
